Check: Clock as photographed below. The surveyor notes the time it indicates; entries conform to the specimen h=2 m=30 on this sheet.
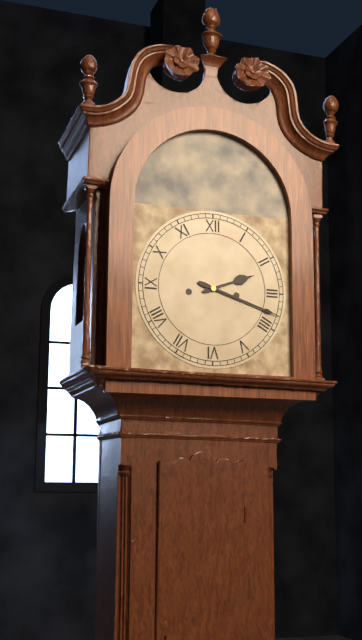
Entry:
h=2 m=18
